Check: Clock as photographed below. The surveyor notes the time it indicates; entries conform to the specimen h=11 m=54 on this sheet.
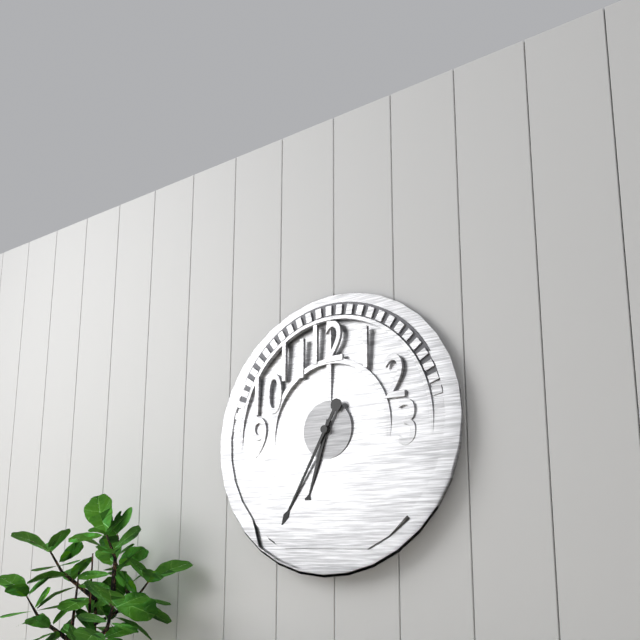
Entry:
h=6 m=35
